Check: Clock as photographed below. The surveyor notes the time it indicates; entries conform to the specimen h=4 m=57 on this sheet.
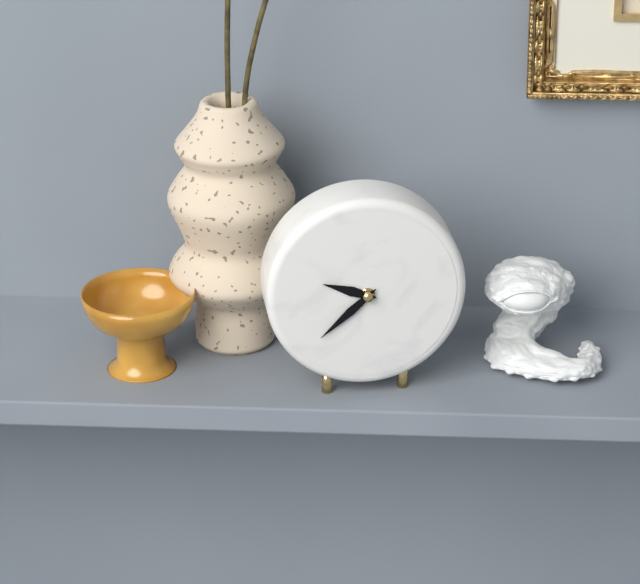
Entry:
h=9 m=38
